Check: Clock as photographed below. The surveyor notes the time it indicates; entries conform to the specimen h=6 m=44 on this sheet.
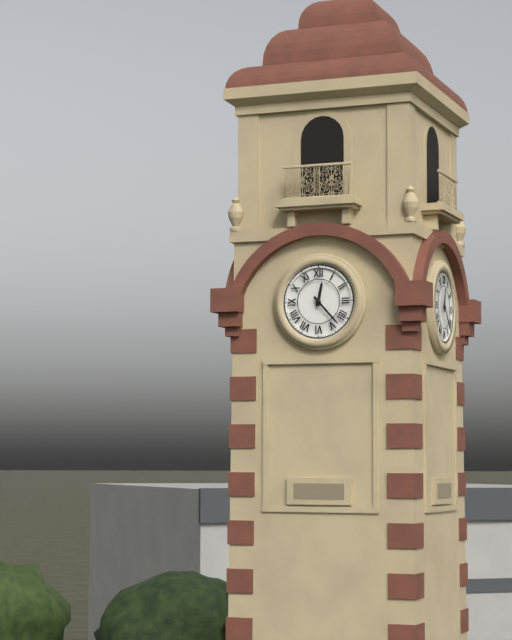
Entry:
h=12 m=23
